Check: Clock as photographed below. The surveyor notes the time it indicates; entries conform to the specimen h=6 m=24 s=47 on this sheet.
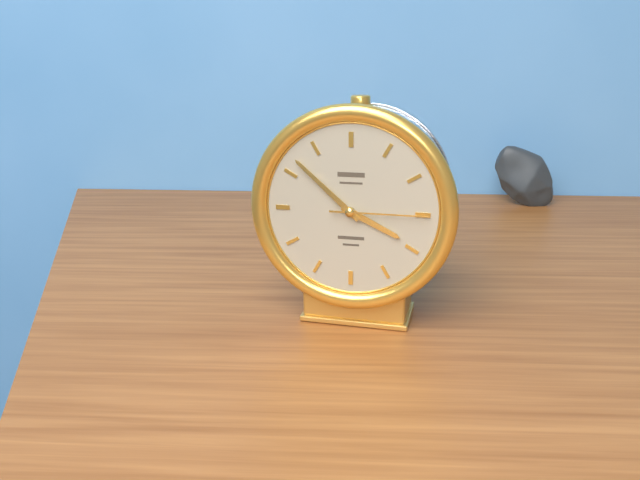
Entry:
h=3 m=52 s=15
